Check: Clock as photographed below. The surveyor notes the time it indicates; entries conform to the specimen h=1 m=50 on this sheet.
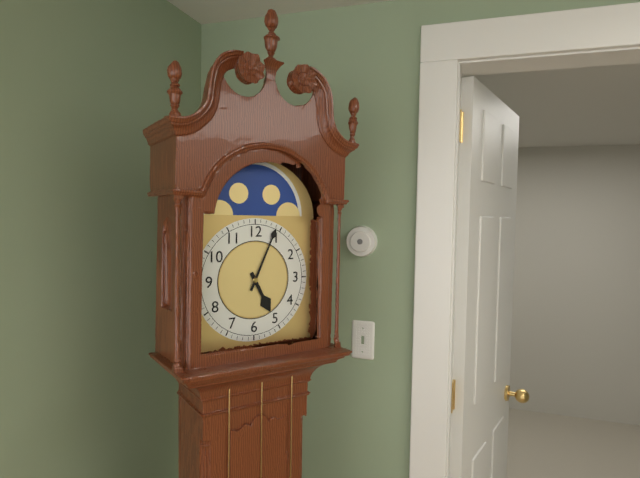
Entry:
h=5 m=4
